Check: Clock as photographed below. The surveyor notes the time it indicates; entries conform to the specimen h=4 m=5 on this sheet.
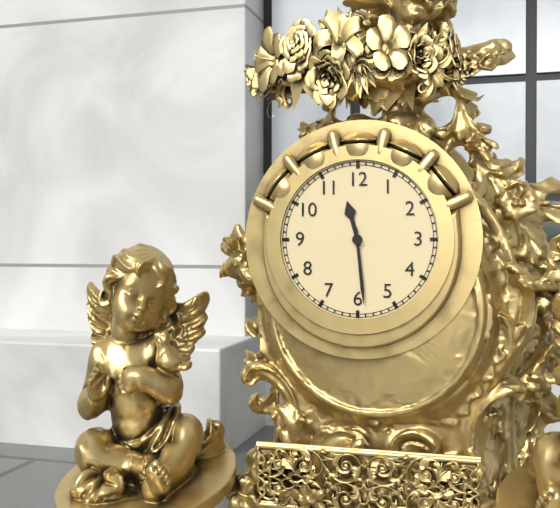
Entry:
h=11 m=29
